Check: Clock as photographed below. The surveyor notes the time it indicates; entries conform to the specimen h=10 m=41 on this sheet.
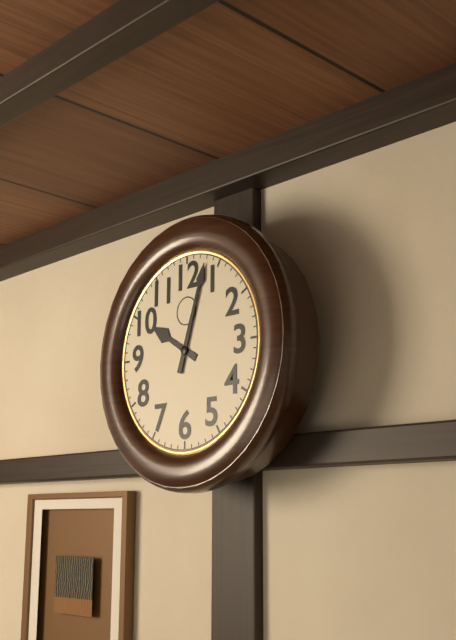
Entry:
h=10 m=3
